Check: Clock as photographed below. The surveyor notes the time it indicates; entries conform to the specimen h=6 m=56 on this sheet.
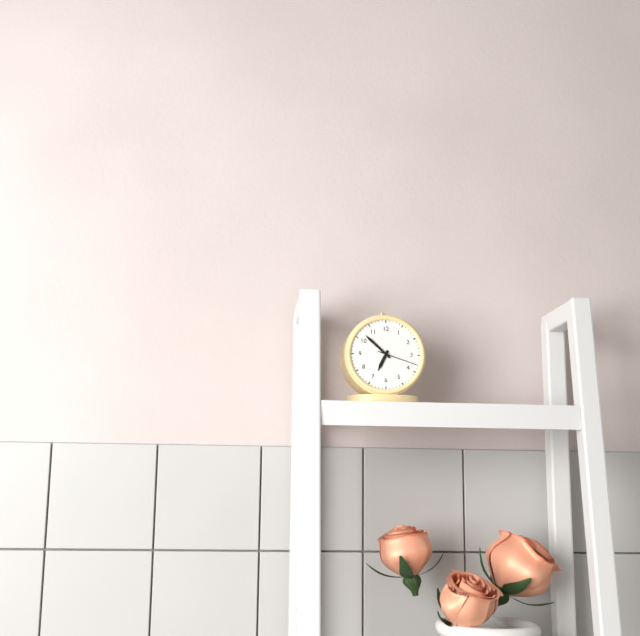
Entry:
h=6 m=52
